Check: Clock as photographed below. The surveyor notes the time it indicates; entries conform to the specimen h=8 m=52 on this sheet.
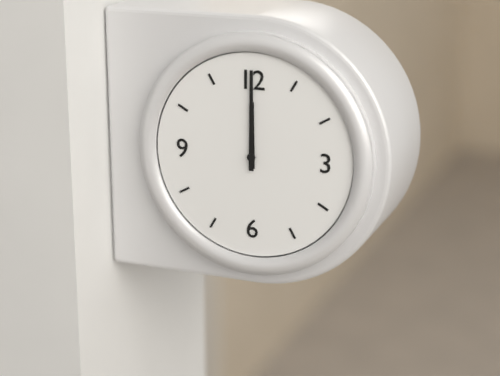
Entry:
h=12 m=0
